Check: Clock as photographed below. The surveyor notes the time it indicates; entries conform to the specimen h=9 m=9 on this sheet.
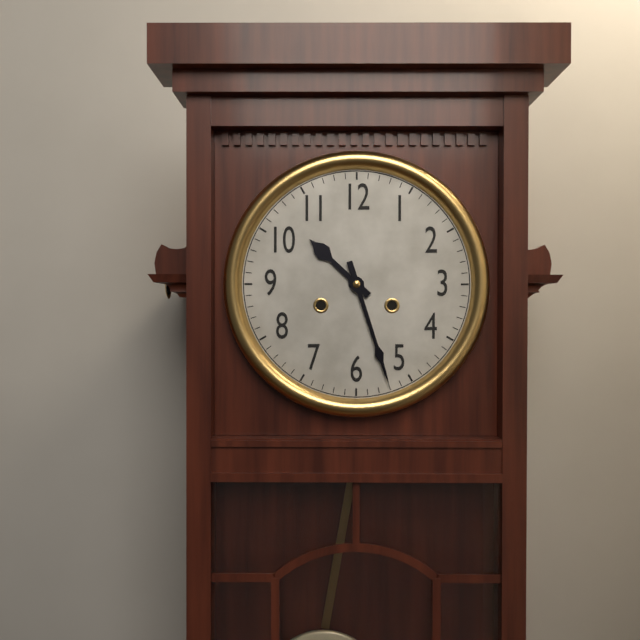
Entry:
h=10 m=27
